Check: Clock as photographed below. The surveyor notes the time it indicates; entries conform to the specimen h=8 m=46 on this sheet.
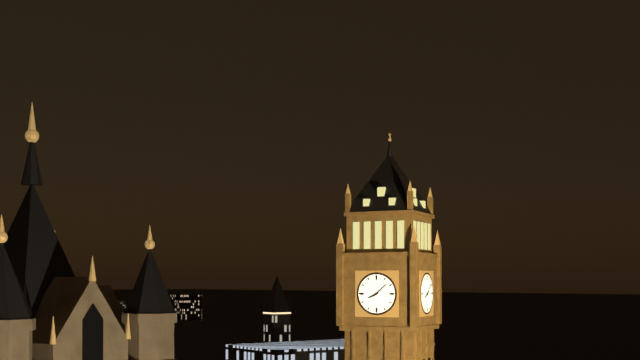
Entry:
h=8 m=8
